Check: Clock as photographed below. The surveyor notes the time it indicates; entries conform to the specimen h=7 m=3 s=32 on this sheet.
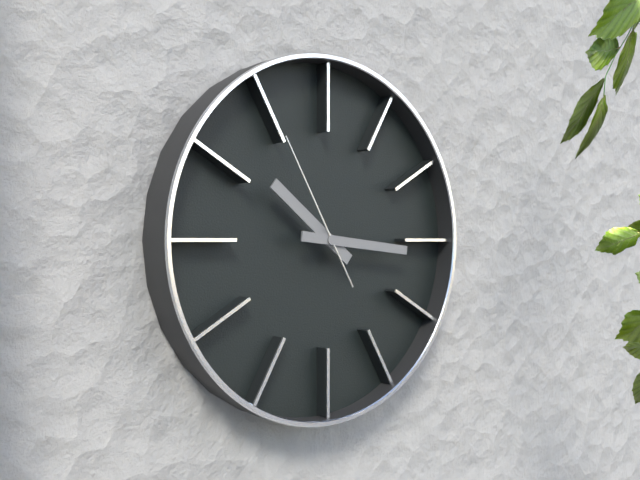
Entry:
h=10 m=16 s=55
